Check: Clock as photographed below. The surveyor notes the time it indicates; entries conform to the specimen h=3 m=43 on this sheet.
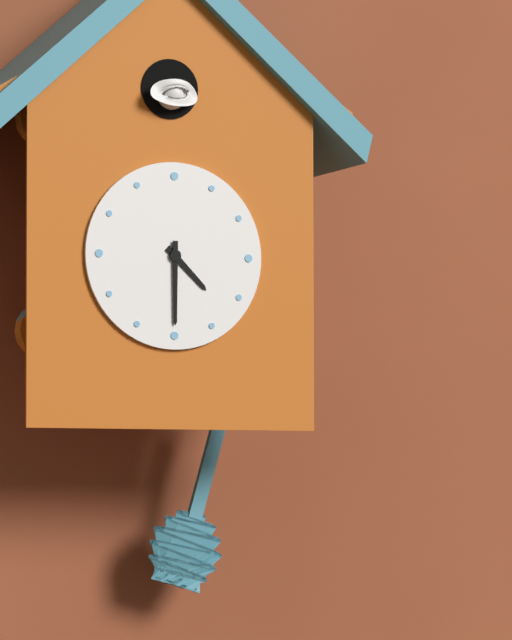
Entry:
h=4 m=30
